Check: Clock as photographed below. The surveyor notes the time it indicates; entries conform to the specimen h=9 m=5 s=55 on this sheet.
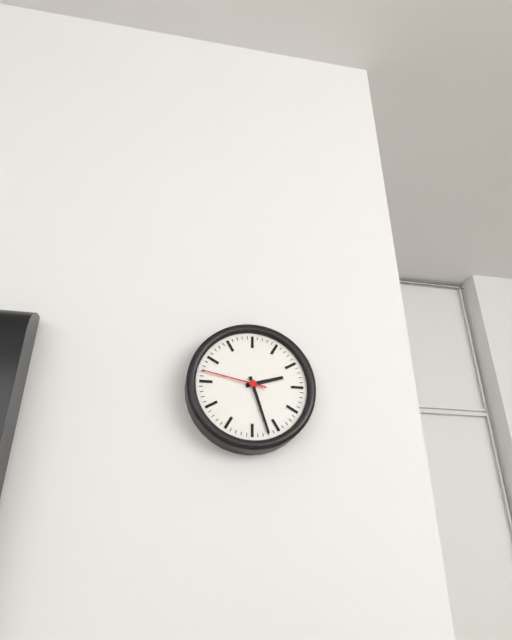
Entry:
h=2 m=27 s=47
